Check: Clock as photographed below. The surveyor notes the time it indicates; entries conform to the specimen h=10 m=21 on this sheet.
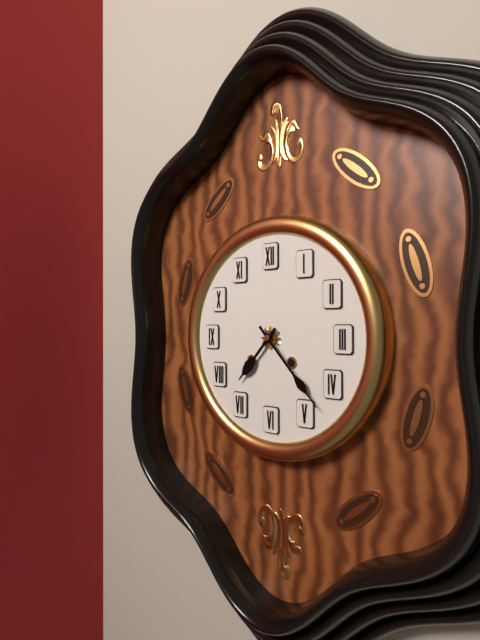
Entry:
h=7 m=23
